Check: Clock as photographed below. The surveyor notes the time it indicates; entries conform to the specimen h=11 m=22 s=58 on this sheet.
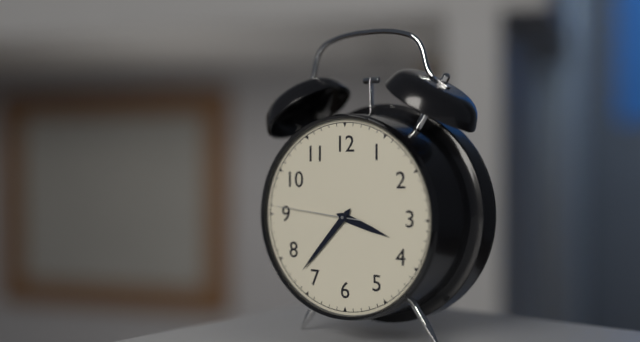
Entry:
h=3 m=37 s=46
